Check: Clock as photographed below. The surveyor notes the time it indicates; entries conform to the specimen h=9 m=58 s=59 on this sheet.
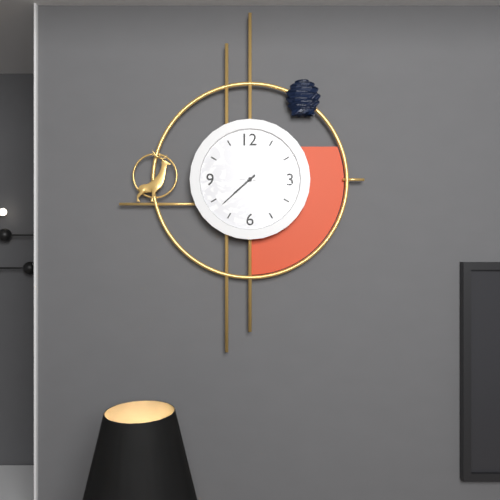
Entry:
h=7 m=38 s=16
